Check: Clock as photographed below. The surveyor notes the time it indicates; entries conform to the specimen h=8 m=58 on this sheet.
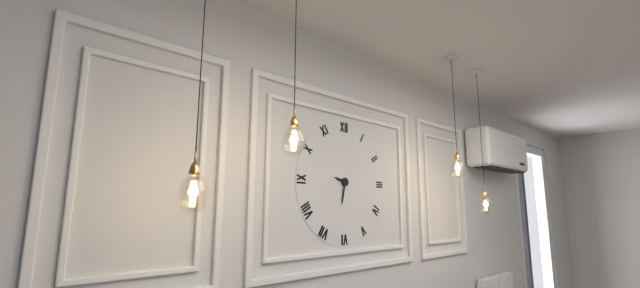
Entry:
h=9 m=32
